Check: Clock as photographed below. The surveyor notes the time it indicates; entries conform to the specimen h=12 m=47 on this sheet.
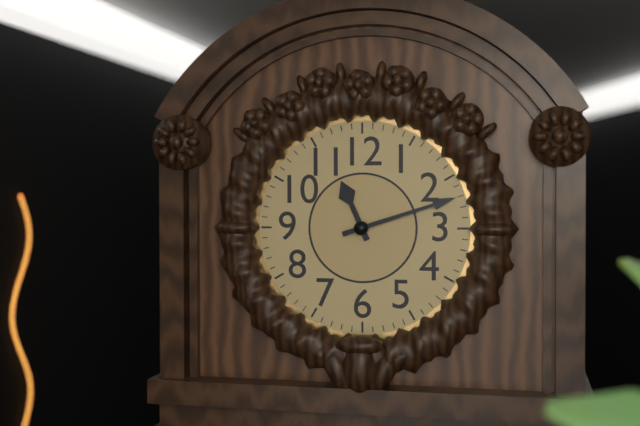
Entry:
h=11 m=12
